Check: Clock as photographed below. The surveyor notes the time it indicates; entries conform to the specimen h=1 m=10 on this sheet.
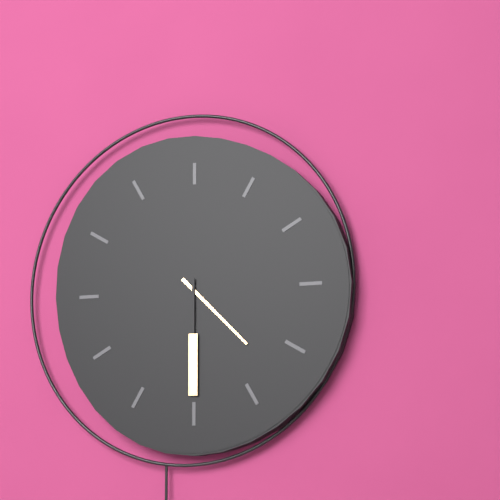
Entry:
h=4 m=30
